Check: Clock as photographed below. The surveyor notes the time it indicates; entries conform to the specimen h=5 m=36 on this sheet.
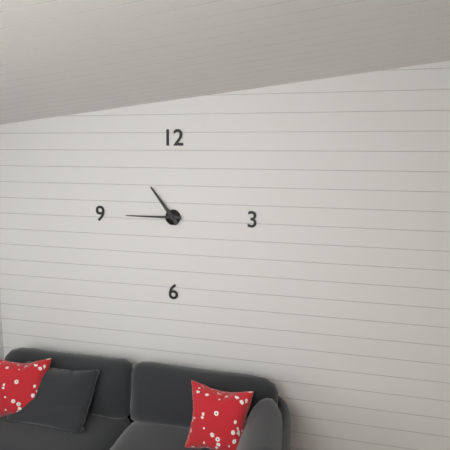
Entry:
h=10 m=45
